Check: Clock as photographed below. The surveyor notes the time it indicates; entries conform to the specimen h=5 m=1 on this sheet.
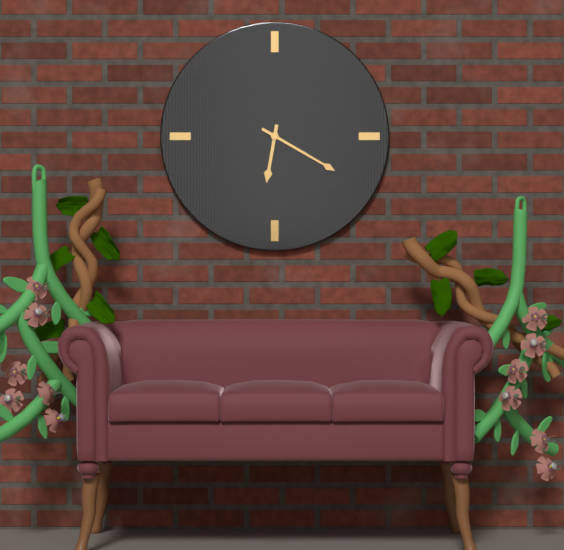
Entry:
h=6 m=20
